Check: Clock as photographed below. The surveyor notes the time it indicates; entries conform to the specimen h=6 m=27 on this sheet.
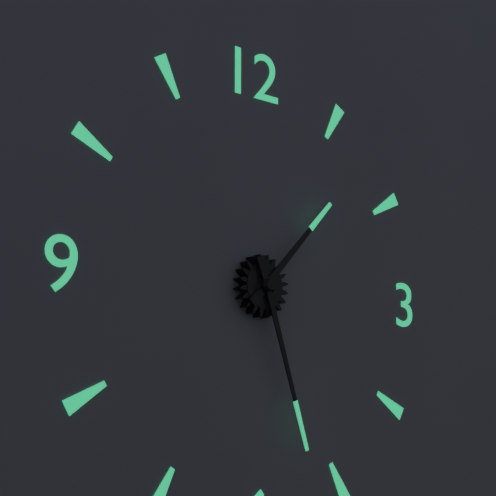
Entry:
h=1 m=27
